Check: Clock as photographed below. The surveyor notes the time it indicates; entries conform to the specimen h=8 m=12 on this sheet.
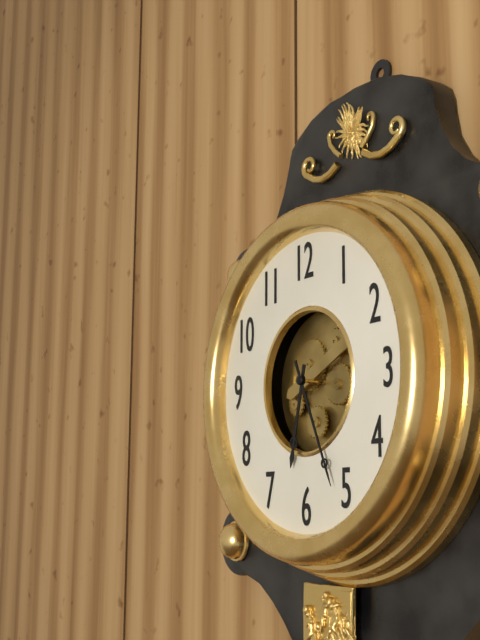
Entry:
h=6 m=26
